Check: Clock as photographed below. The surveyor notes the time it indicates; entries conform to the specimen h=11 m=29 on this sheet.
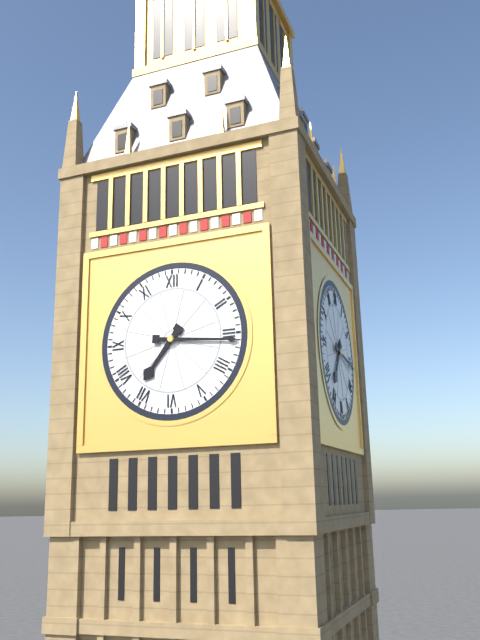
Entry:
h=7 m=16
